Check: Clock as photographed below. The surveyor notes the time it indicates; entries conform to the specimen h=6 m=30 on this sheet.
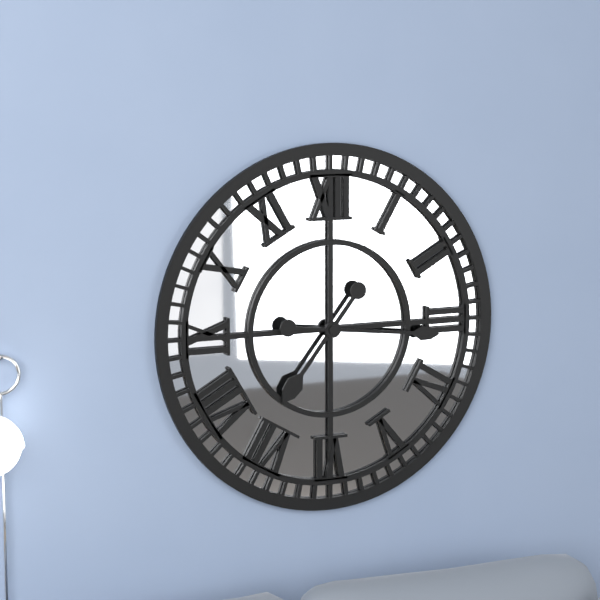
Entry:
h=7 m=16
